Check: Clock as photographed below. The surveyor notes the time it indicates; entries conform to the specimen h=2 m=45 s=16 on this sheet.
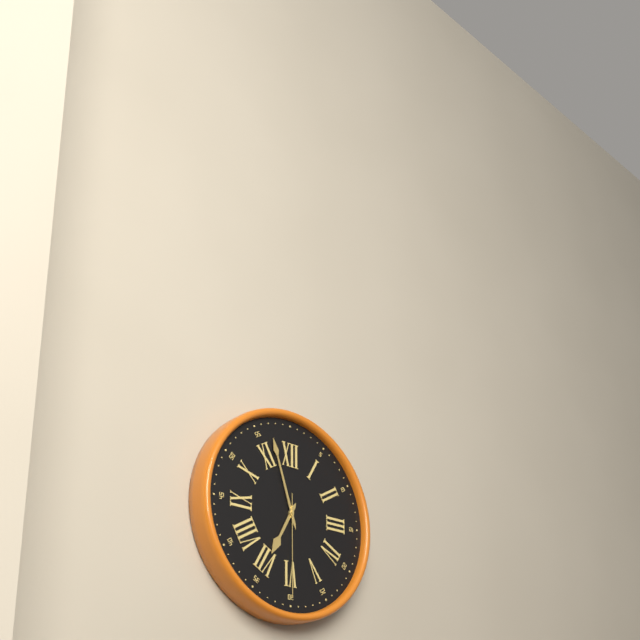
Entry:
h=6 m=57 s=30
